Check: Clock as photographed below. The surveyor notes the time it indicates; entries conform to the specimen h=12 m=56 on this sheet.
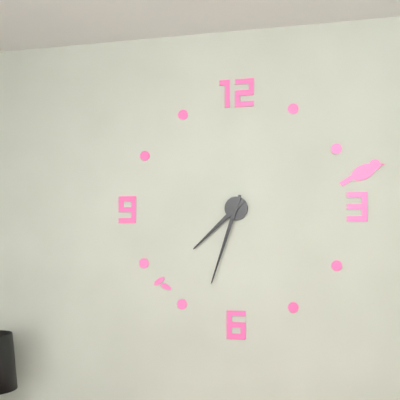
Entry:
h=7 m=33
